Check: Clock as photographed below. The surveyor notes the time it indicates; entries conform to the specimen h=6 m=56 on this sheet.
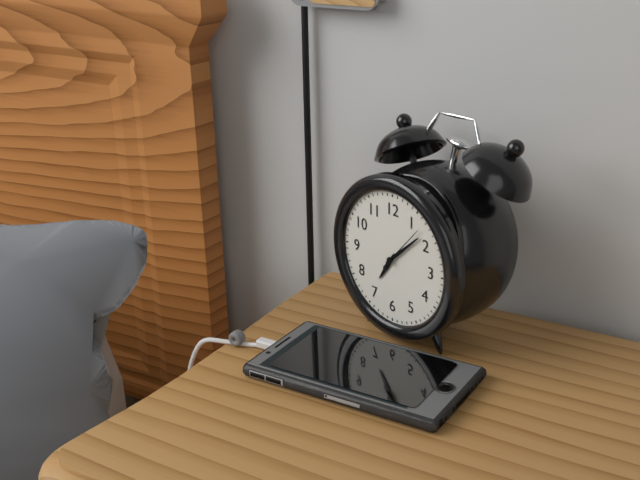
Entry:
h=7 m=8
